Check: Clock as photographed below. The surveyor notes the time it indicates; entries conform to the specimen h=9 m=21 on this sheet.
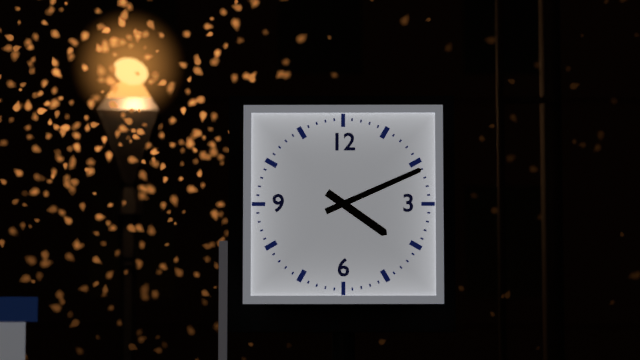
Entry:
h=4 m=11
